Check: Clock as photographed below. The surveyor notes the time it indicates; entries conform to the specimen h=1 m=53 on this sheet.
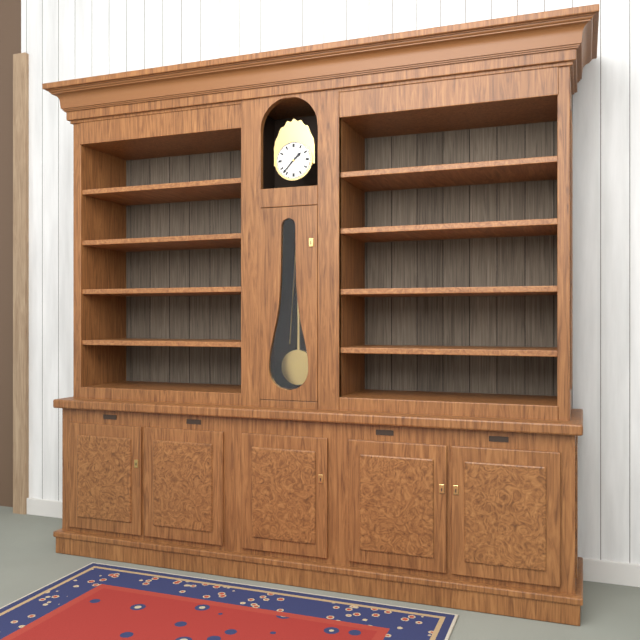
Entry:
h=1 m=37
